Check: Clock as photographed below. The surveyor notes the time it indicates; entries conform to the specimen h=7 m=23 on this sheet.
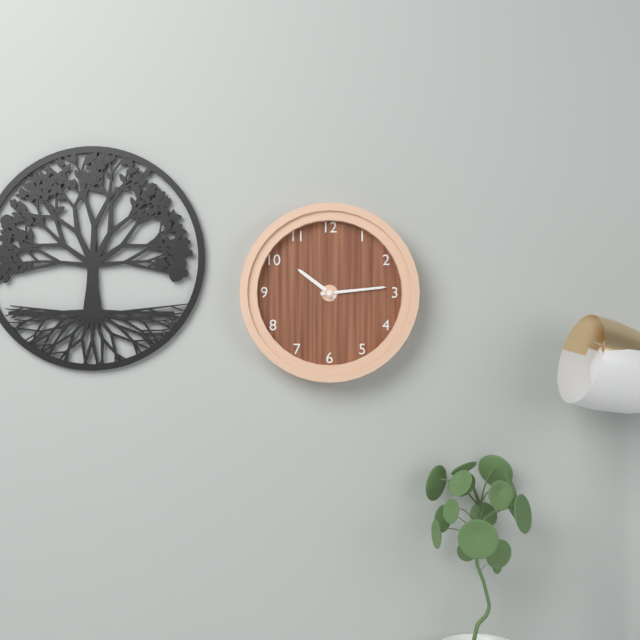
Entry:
h=10 m=14
